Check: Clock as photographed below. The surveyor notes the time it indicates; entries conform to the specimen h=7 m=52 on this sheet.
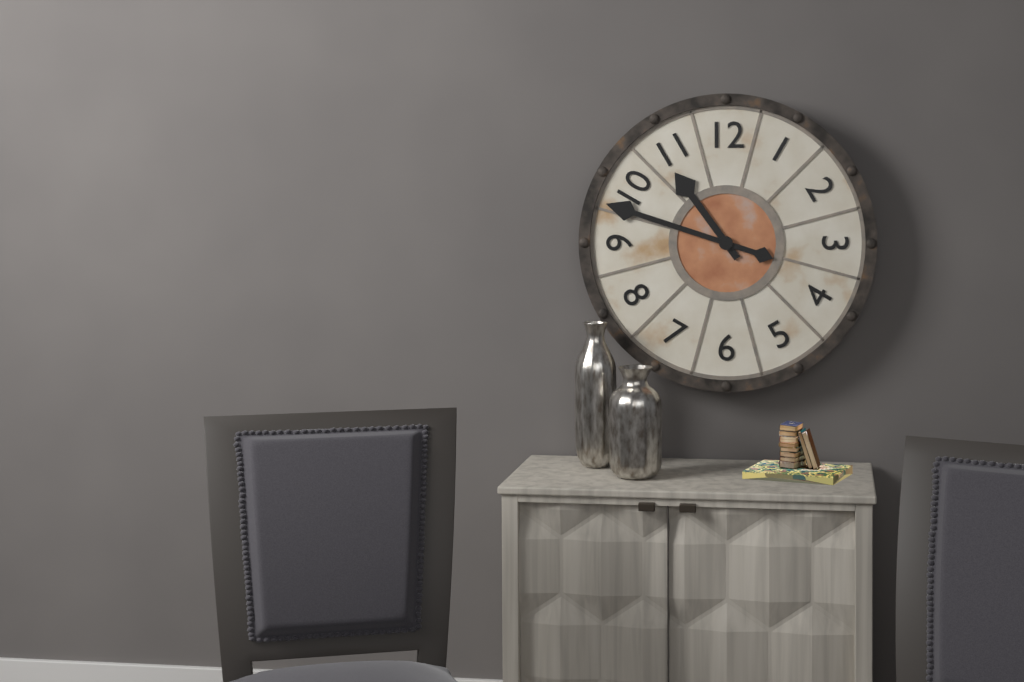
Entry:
h=10 m=48
